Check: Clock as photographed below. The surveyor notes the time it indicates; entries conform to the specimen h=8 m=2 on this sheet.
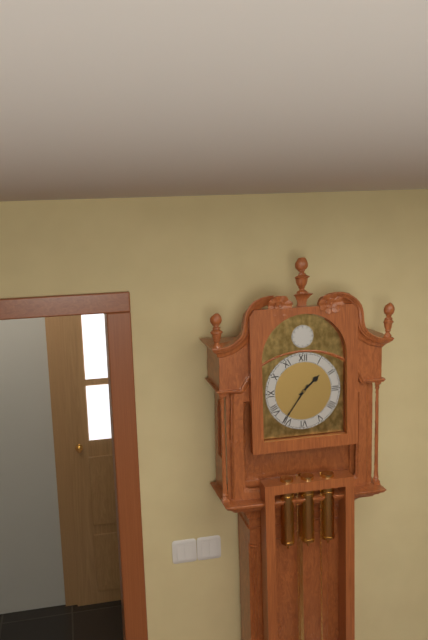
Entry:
h=1 m=36
